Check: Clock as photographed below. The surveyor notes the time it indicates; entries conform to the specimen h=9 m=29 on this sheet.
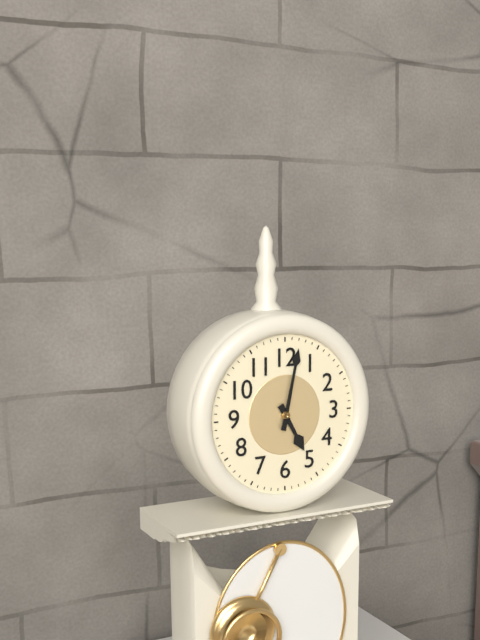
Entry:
h=5 m=2
